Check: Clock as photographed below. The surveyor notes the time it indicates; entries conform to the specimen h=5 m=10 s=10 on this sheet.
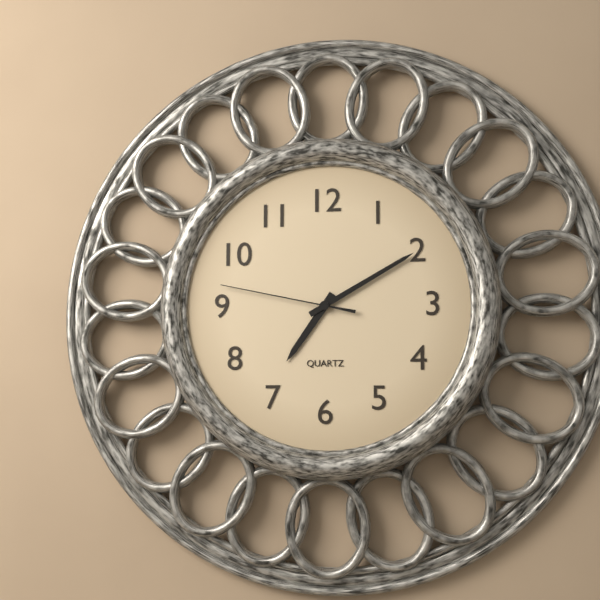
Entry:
h=7 m=10 s=47
